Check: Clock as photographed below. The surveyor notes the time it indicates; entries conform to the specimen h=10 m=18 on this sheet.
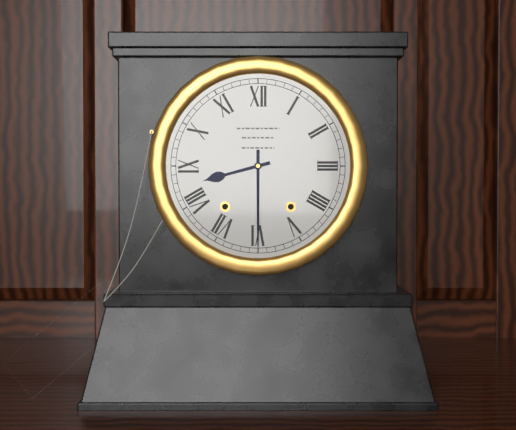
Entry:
h=8 m=30
